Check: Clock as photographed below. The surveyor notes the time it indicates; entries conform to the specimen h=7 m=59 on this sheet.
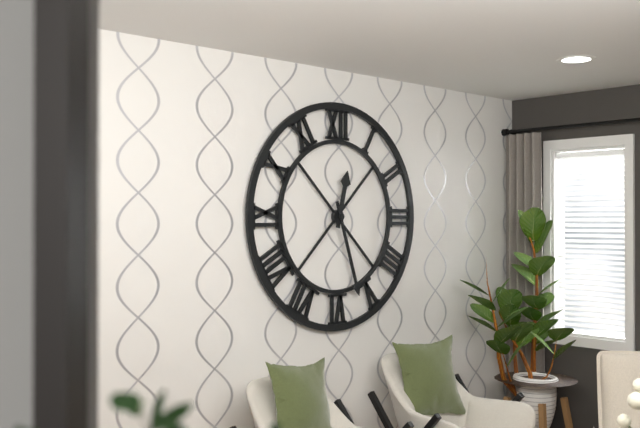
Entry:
h=12 m=27
